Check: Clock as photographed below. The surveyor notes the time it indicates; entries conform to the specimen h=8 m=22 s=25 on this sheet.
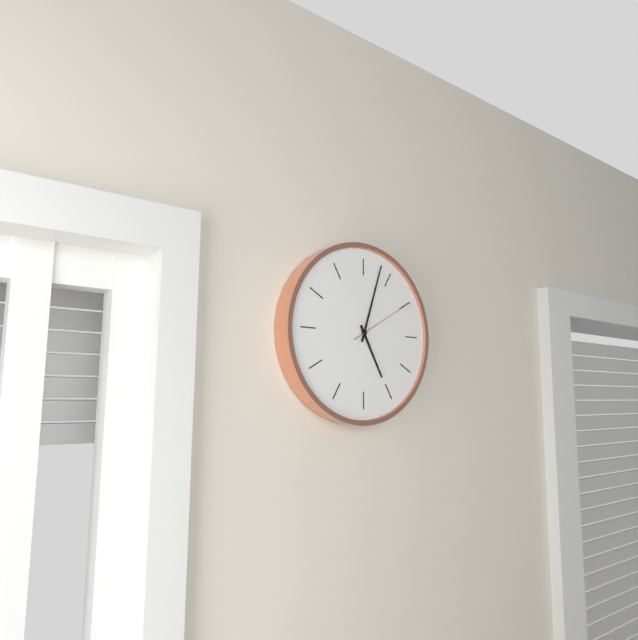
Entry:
h=5 m=3 s=10
